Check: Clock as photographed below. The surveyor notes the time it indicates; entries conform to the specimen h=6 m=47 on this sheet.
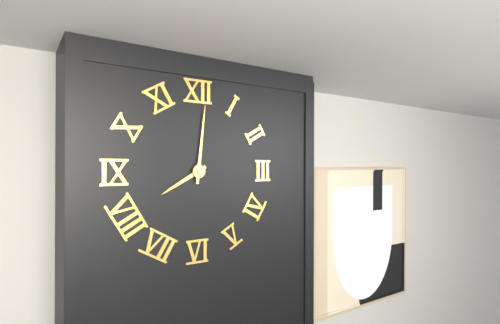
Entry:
h=8 m=1
